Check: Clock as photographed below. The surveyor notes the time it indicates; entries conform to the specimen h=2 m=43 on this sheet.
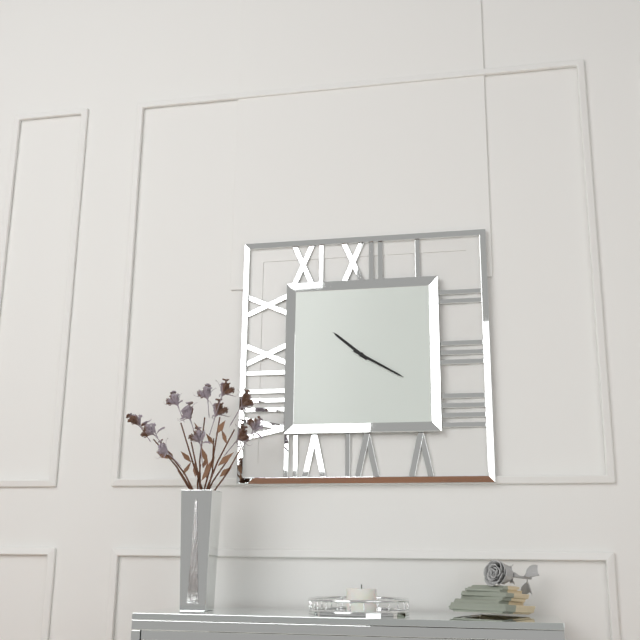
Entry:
h=10 m=20
